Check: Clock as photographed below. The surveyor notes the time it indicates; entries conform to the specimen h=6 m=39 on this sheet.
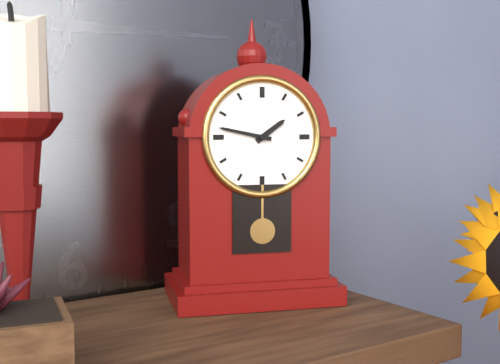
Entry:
h=1 m=47
